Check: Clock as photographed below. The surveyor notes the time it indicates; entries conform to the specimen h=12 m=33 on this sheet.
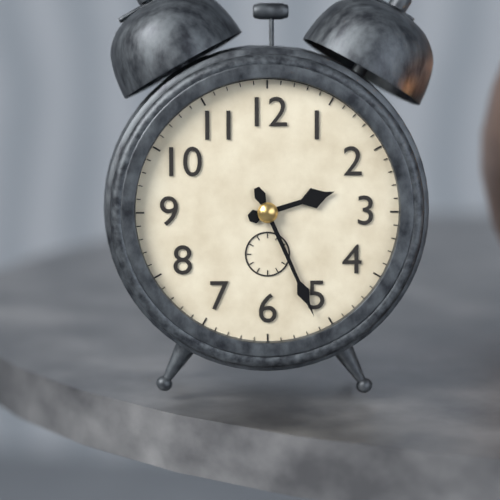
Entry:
h=2 m=26
